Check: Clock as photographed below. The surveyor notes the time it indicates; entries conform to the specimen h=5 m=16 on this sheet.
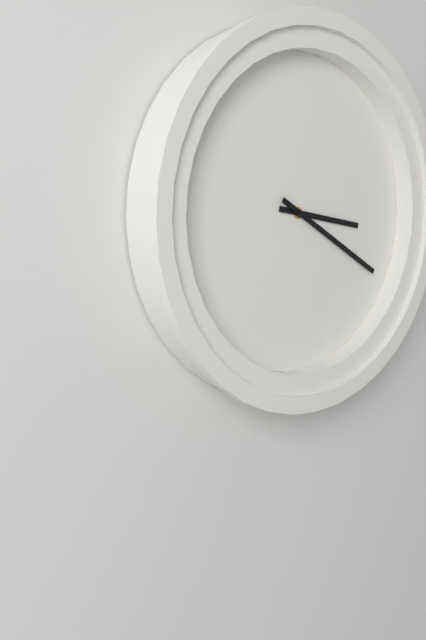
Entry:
h=3 m=20
